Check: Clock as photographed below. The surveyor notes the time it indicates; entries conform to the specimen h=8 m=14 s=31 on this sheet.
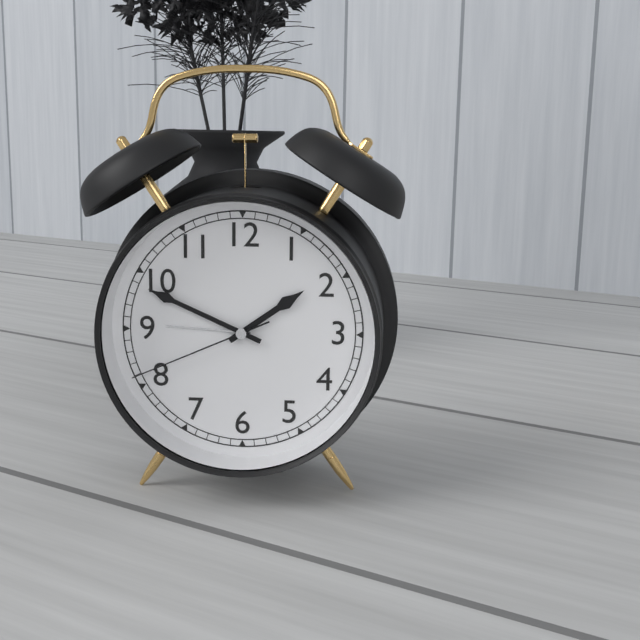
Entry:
h=1 m=49 s=41
